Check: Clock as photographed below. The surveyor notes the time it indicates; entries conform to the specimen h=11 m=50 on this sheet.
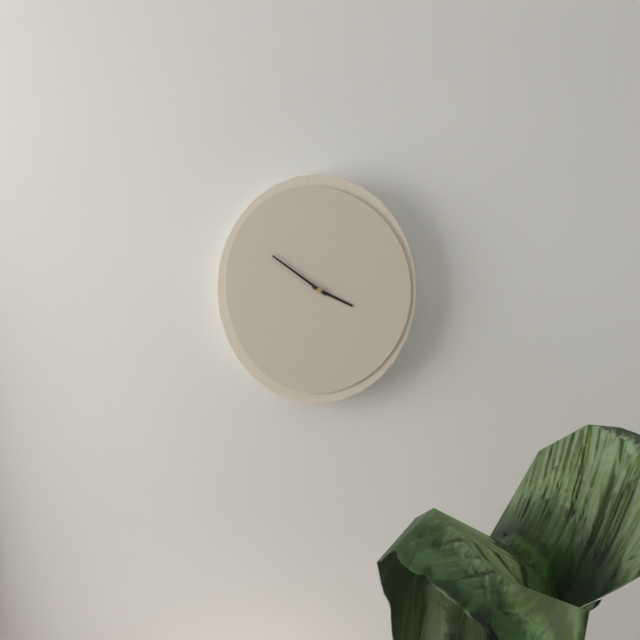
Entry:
h=3 m=51
